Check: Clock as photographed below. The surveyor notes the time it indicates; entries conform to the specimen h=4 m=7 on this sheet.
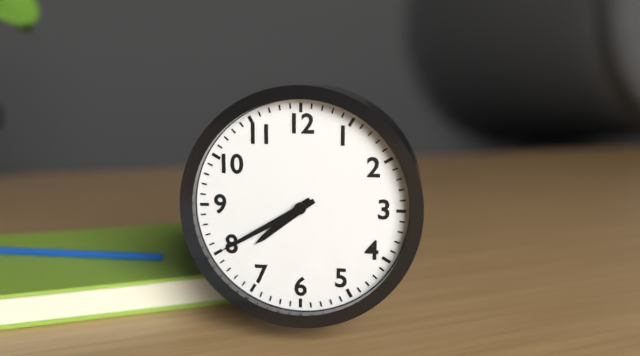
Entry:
h=7 m=40
